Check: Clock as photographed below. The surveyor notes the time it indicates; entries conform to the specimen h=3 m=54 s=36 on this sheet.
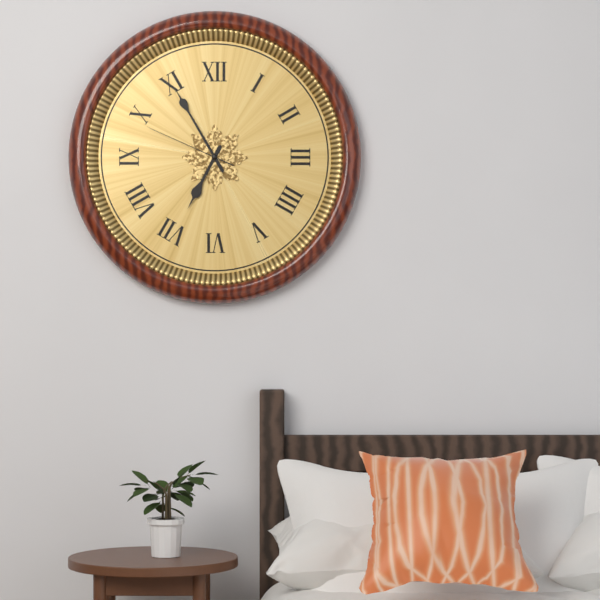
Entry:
h=6 m=55 s=49
